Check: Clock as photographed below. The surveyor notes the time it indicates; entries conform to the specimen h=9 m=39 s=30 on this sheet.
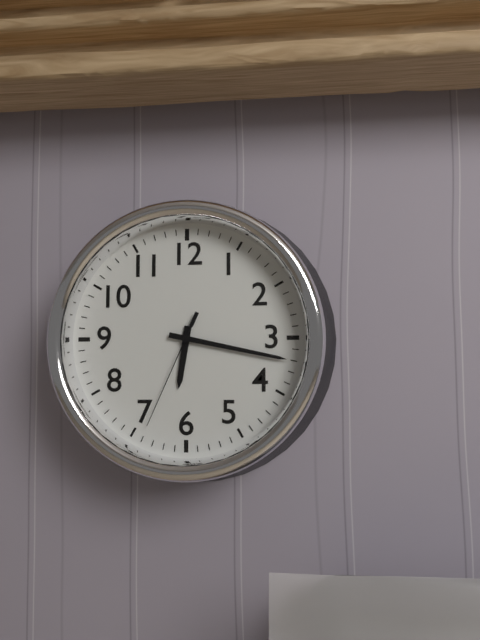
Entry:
h=6 m=17 s=34
